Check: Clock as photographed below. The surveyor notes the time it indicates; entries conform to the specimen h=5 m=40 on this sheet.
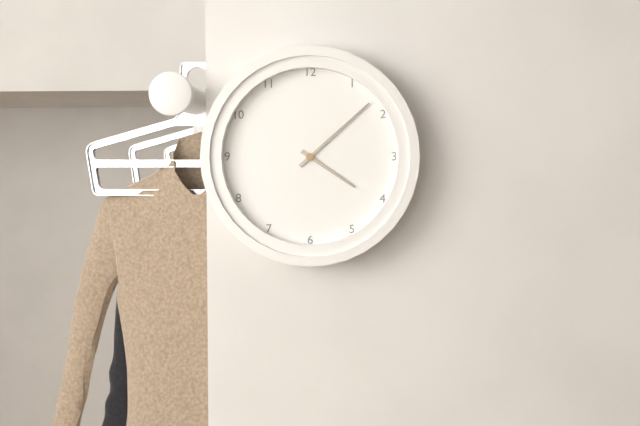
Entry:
h=4 m=8
